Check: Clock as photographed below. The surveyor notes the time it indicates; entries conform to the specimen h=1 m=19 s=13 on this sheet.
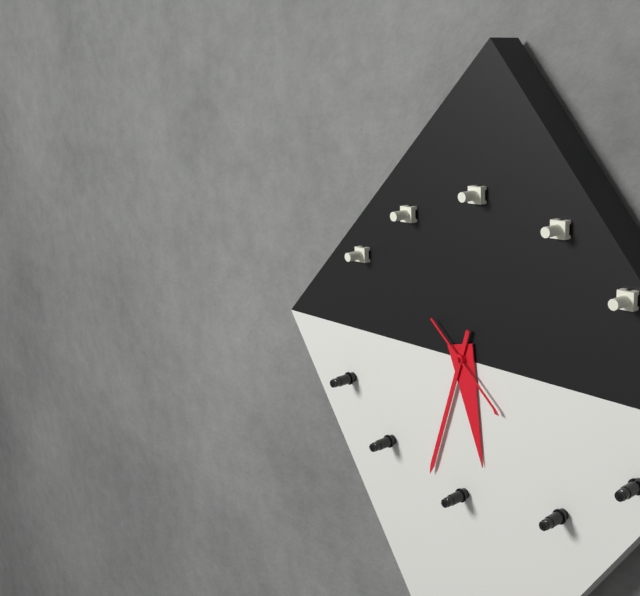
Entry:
h=5 m=33 s=22
